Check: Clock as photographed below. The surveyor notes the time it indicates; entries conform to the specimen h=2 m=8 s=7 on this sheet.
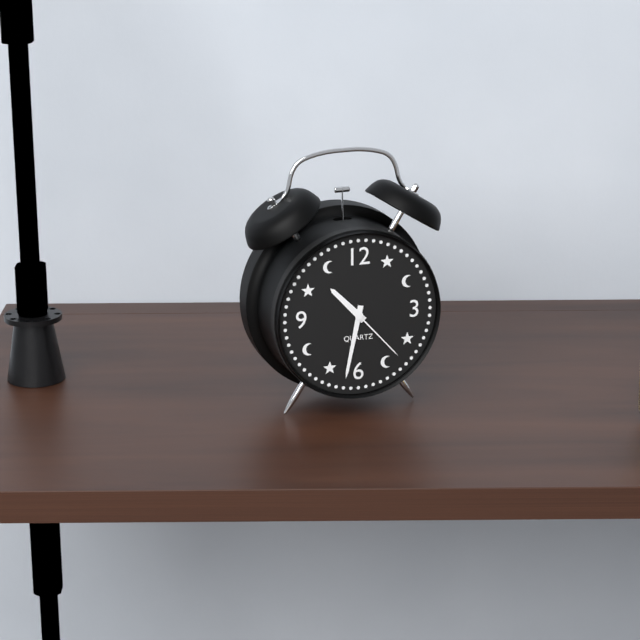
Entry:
h=10 m=32 s=23
